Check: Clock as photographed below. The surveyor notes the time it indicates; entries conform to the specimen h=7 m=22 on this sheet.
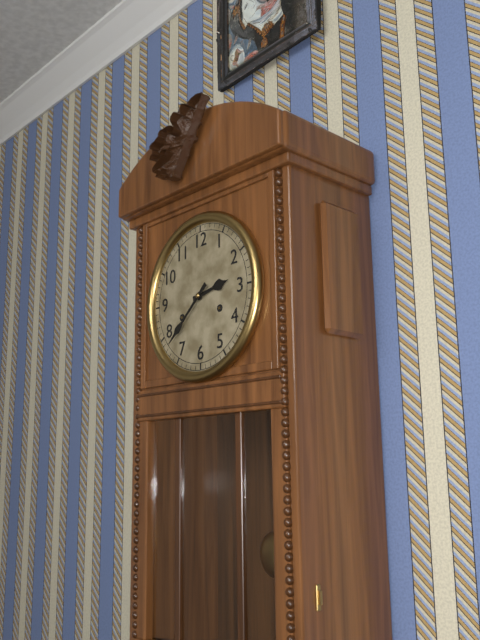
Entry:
h=2 m=38
